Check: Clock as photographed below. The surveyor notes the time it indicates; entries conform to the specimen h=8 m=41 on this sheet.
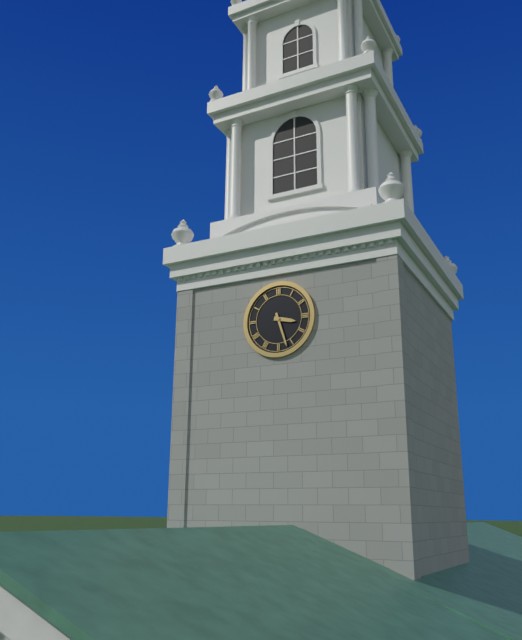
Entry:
h=3 m=27
